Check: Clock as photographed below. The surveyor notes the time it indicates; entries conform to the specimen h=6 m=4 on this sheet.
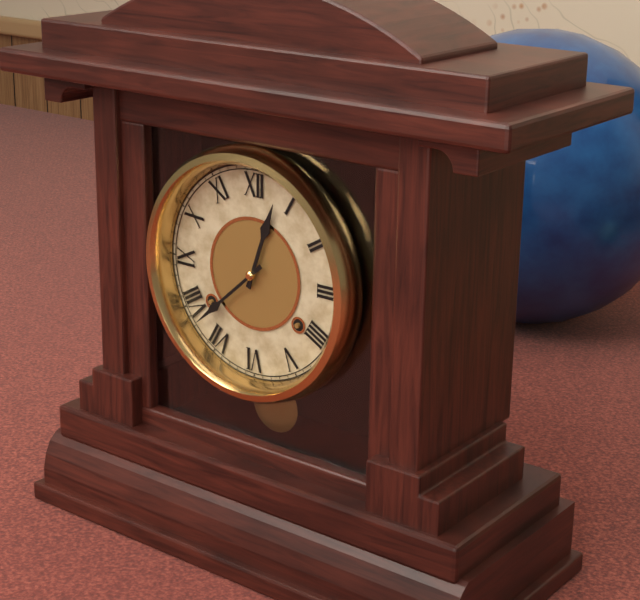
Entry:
h=12 m=38
